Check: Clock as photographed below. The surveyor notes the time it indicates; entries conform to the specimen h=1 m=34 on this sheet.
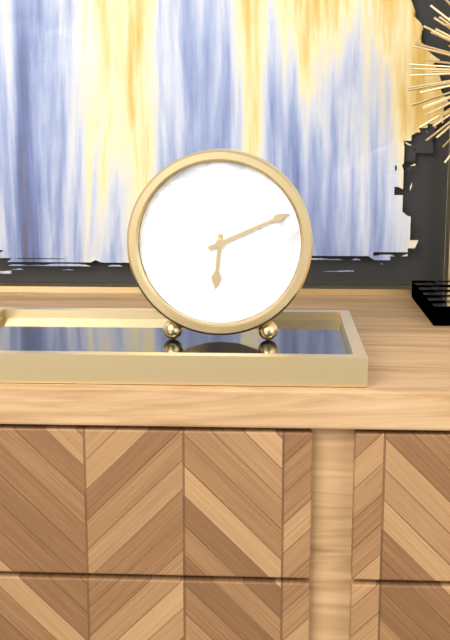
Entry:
h=6 m=11
